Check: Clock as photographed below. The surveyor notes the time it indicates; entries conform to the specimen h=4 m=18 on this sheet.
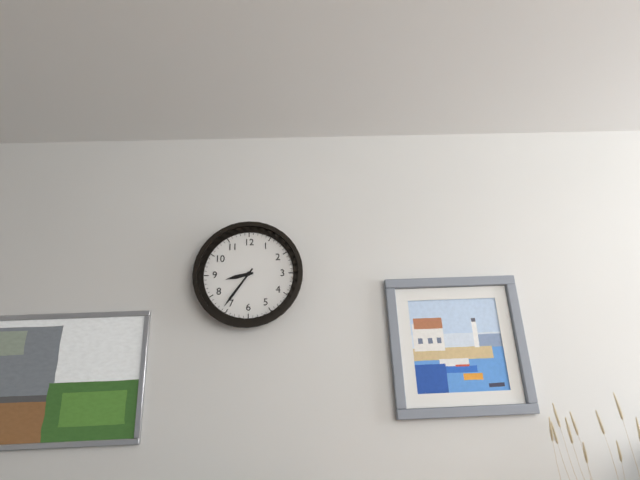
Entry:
h=8 m=36
